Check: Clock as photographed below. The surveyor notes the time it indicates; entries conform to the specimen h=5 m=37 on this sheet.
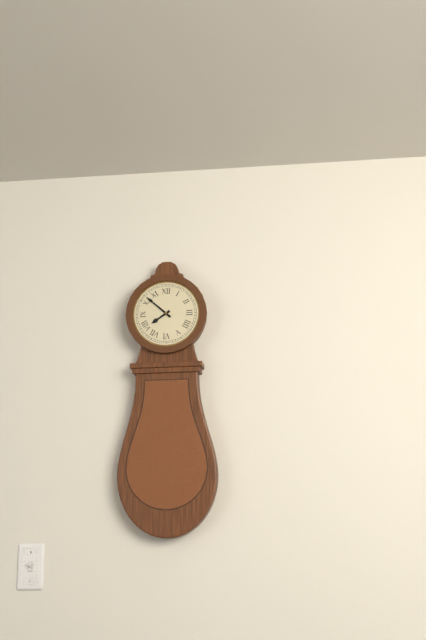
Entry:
h=7 m=52
